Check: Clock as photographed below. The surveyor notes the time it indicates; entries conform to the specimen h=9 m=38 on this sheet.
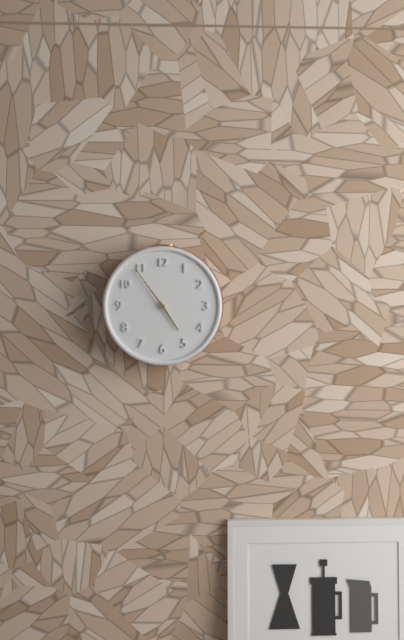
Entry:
h=4 m=54
